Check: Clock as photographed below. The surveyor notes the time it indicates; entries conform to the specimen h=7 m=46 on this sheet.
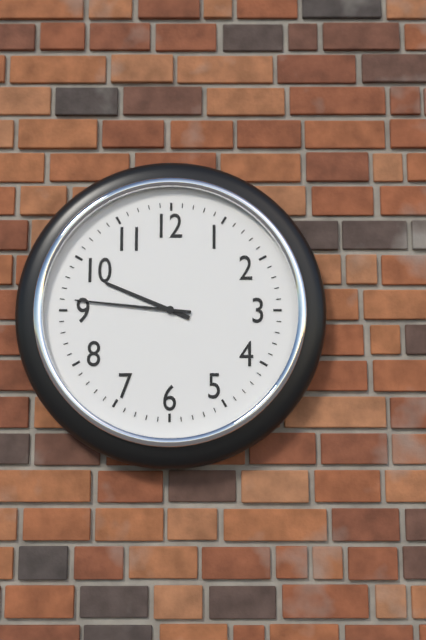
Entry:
h=9 m=46
